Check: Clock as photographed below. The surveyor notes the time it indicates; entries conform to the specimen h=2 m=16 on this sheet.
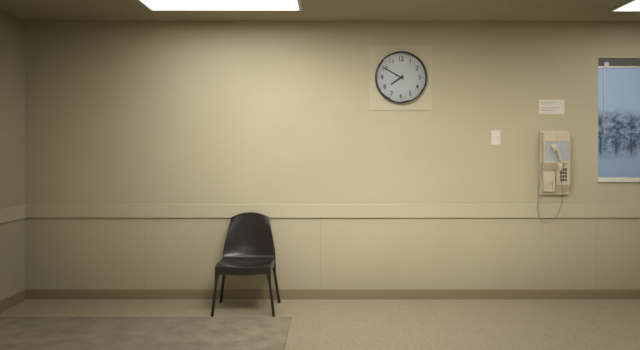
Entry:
h=7 m=50
